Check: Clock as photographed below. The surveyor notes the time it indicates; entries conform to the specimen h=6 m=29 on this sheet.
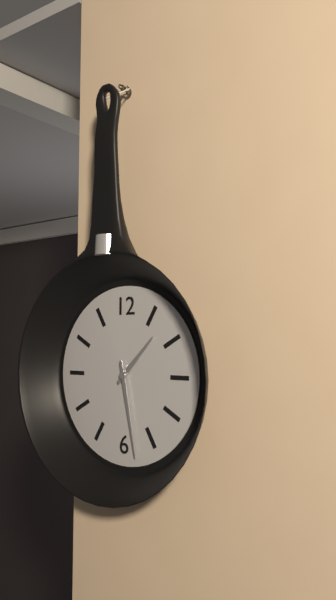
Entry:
h=1 m=28
